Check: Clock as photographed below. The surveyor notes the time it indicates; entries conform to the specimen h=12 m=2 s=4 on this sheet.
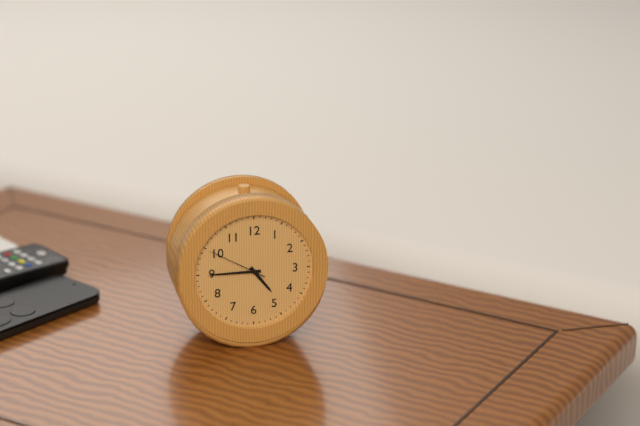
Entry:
h=4 m=45 s=50
